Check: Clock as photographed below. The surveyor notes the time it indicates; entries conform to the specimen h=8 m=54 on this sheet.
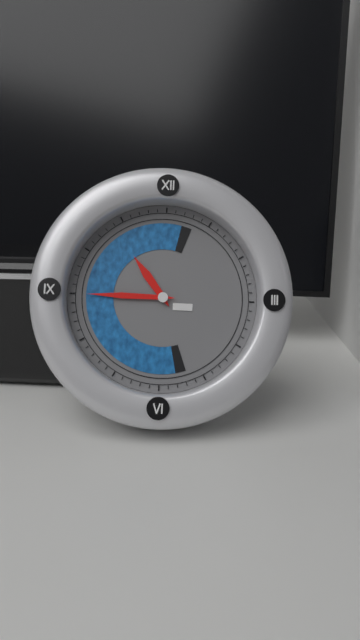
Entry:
h=10 m=45
